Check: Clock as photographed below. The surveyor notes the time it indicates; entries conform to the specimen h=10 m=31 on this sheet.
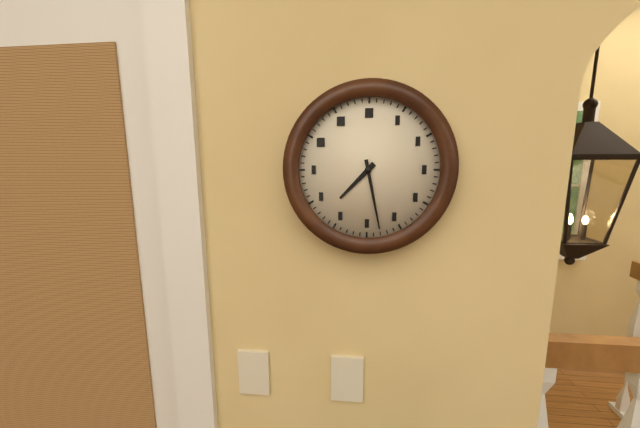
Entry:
h=7 m=28
